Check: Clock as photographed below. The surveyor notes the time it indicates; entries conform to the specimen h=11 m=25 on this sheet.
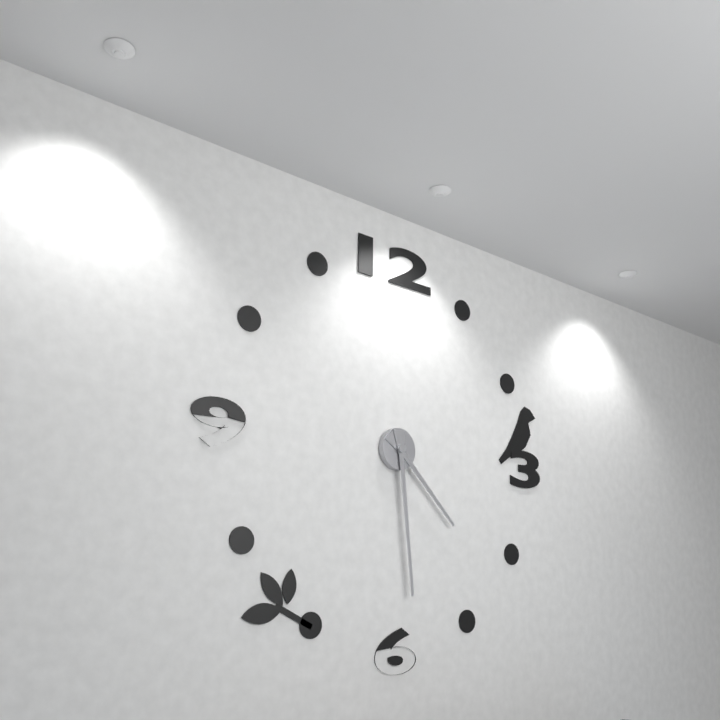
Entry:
h=4 m=29
